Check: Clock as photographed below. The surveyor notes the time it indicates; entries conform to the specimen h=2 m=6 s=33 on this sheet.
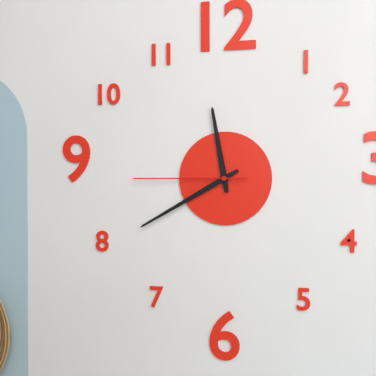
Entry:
h=11 m=40 s=45
